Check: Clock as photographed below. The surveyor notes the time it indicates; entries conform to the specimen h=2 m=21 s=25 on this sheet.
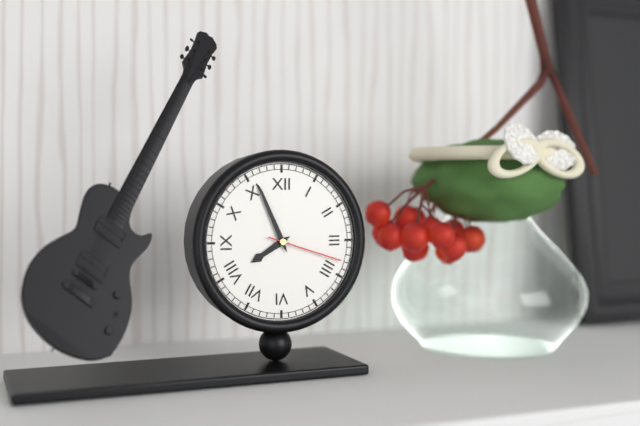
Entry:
h=7 m=56 s=18
